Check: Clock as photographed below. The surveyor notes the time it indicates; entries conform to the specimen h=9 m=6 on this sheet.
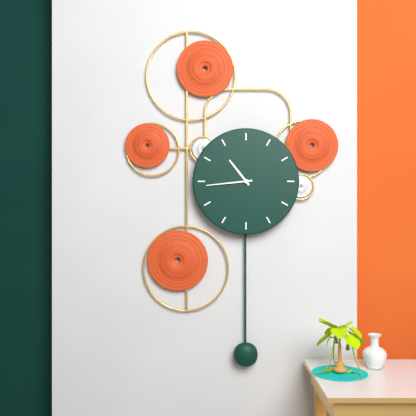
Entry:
h=10 m=44
